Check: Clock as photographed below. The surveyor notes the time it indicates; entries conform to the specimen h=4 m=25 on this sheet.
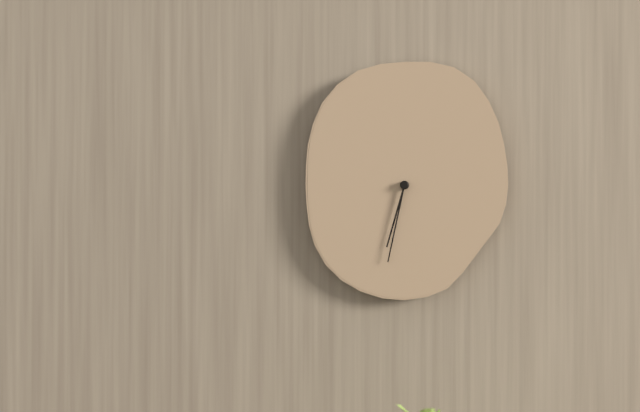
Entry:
h=6 m=32
